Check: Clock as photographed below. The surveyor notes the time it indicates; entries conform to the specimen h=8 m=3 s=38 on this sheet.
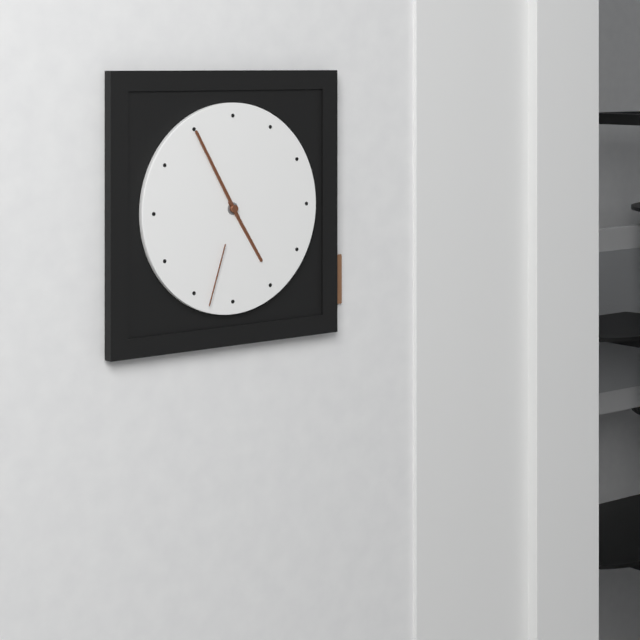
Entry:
h=4 m=55 s=33
